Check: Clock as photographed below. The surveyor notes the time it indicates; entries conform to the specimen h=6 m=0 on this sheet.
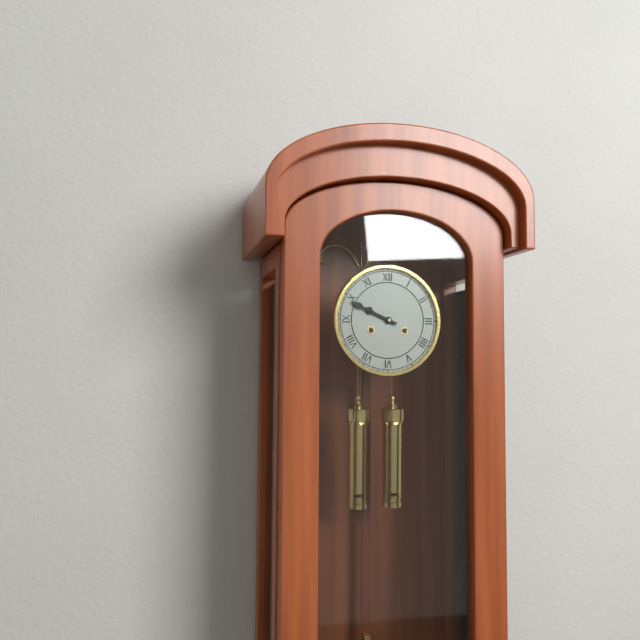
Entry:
h=9 m=49
